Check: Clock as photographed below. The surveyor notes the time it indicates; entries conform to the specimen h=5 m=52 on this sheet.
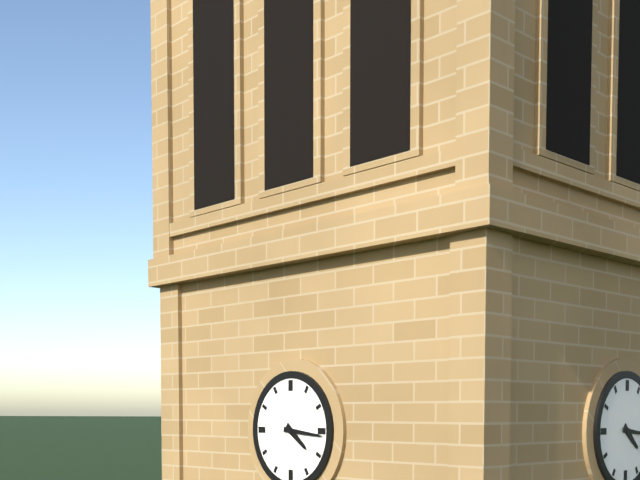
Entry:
h=4 m=16
